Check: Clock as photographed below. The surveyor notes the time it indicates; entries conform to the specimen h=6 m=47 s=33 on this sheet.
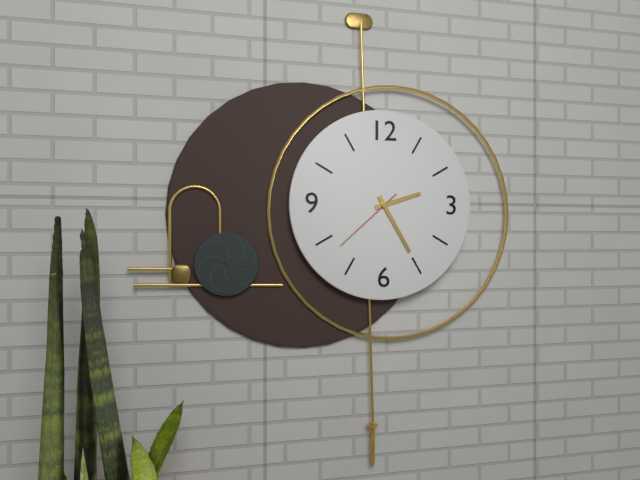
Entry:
h=2 m=25 s=38
